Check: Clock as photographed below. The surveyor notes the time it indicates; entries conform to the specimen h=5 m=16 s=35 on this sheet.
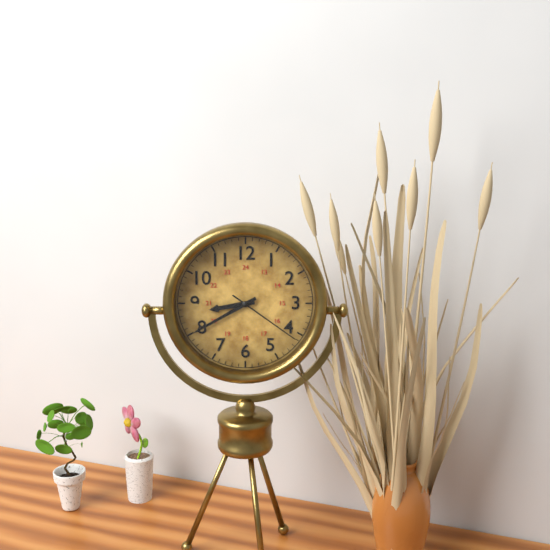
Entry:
h=8 m=40 s=21
